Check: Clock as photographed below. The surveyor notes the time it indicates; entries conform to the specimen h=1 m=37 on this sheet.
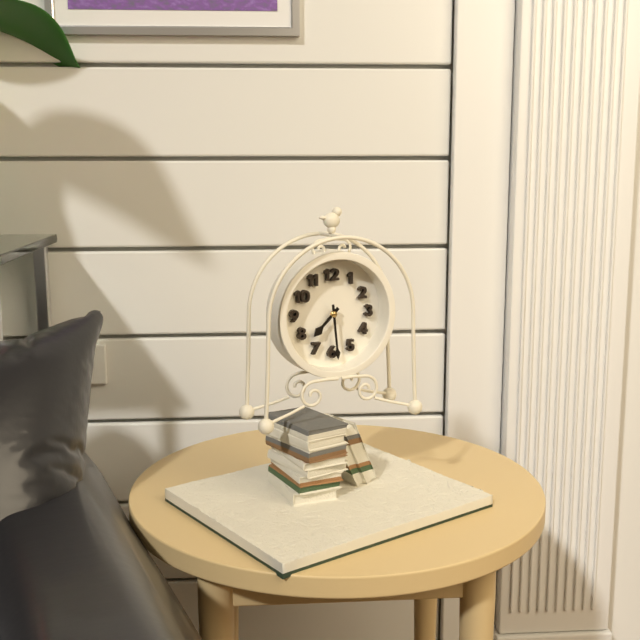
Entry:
h=7 m=29
